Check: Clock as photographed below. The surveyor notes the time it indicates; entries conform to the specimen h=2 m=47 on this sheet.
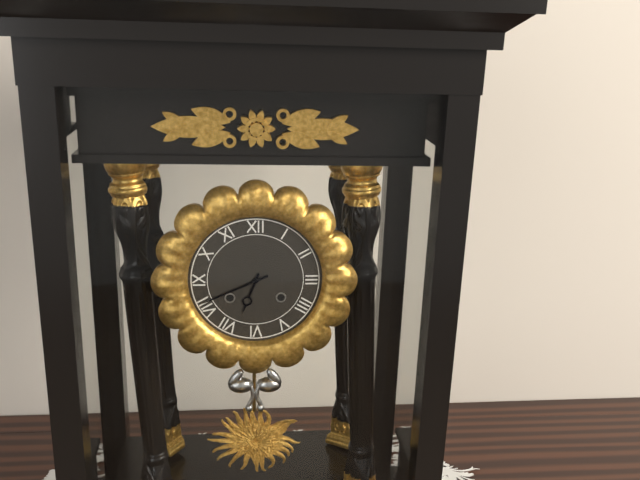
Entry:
h=6 m=41
